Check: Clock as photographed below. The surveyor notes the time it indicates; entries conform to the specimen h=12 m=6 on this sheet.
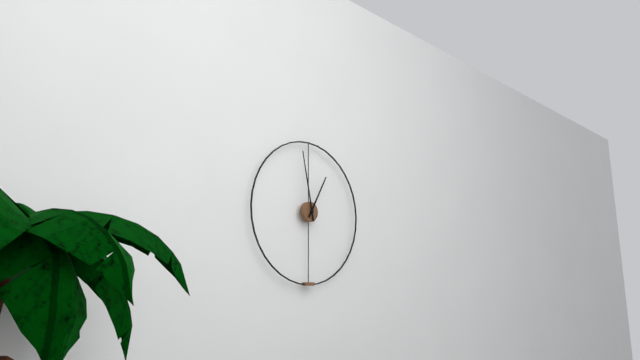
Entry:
h=12 m=58
